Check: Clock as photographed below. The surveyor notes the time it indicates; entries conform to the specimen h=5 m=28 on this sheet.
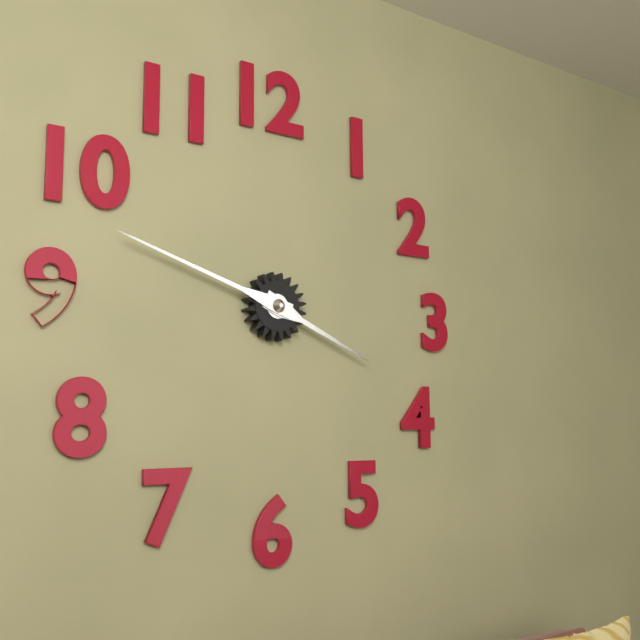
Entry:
h=3 m=48
